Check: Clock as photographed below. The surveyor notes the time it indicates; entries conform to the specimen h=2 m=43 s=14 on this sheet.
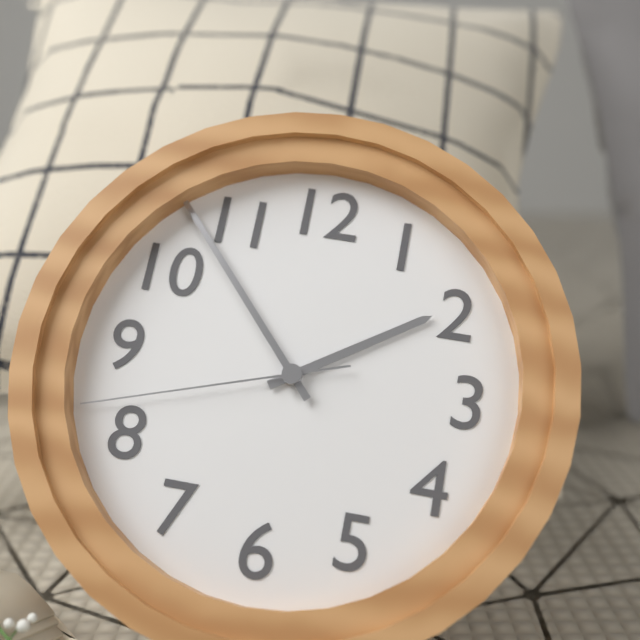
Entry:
h=1 m=53 s=42
